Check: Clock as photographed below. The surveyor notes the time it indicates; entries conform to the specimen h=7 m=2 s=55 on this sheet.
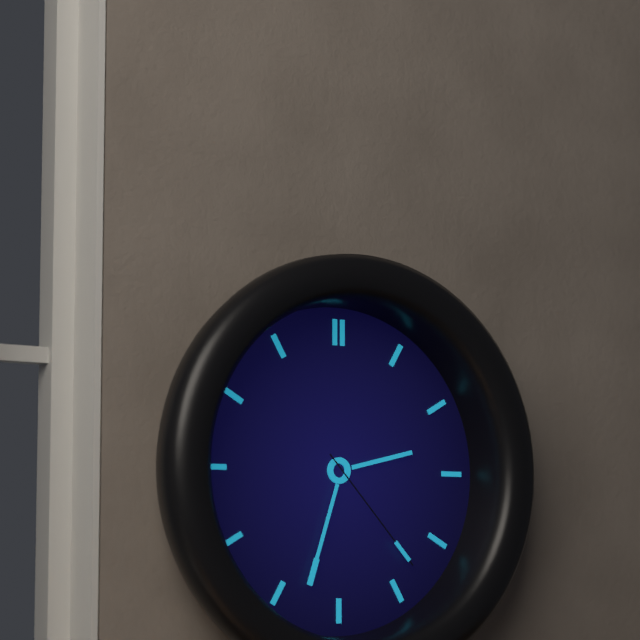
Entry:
h=2 m=33 s=23
